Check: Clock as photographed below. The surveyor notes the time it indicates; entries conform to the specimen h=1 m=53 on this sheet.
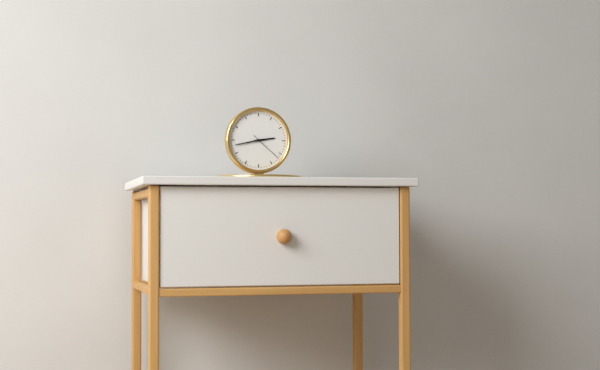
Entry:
h=2 m=43
